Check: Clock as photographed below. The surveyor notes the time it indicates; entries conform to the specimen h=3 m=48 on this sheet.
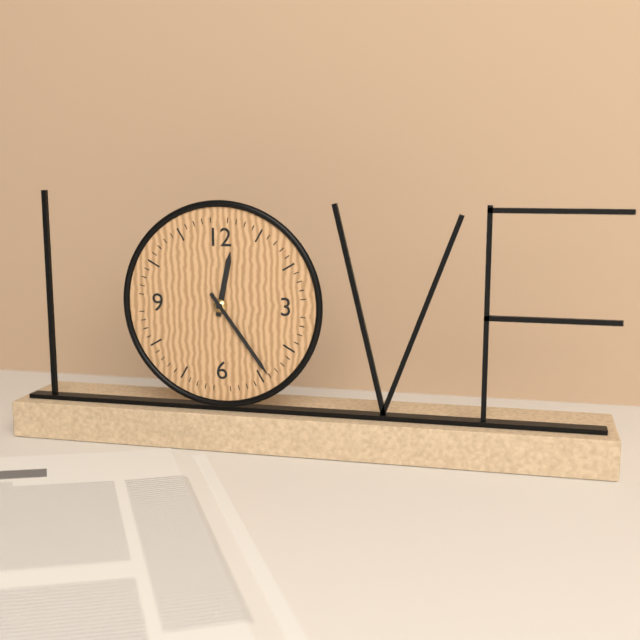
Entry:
h=12 m=24
